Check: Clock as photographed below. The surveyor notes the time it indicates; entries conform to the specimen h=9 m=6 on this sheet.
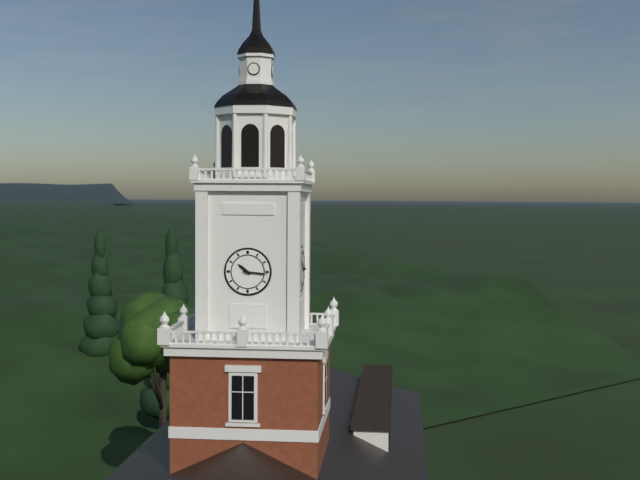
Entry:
h=10 m=16
